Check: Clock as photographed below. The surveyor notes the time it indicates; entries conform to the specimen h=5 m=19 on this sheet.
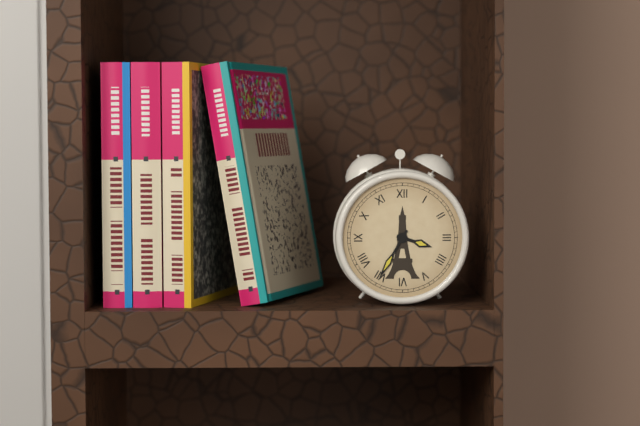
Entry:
h=3 m=35
